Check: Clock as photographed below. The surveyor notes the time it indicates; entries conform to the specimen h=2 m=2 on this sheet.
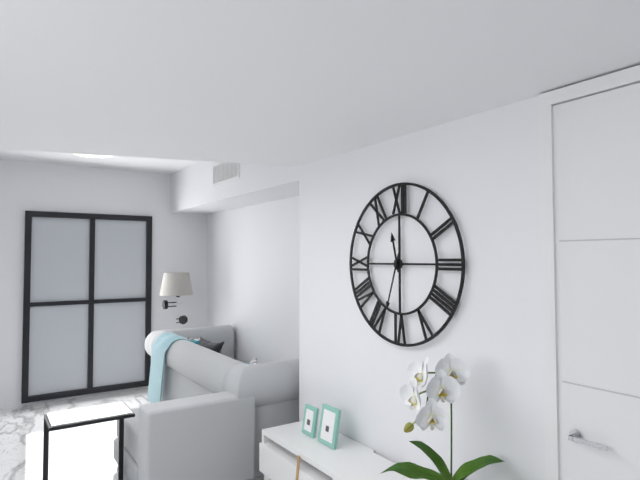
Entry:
h=11 m=33
